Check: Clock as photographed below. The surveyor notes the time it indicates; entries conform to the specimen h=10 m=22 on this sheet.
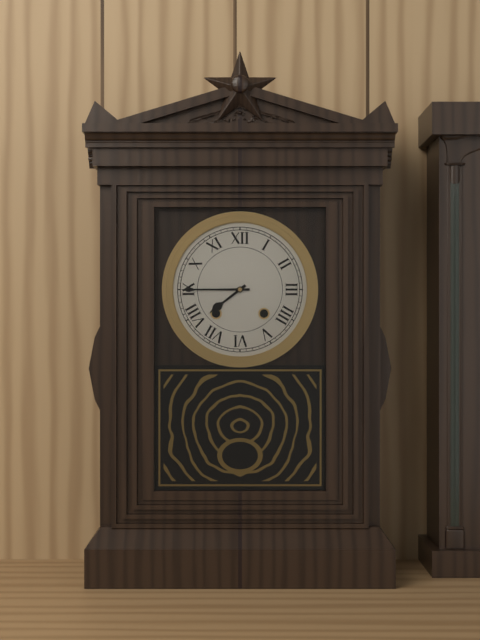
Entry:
h=7 m=45
